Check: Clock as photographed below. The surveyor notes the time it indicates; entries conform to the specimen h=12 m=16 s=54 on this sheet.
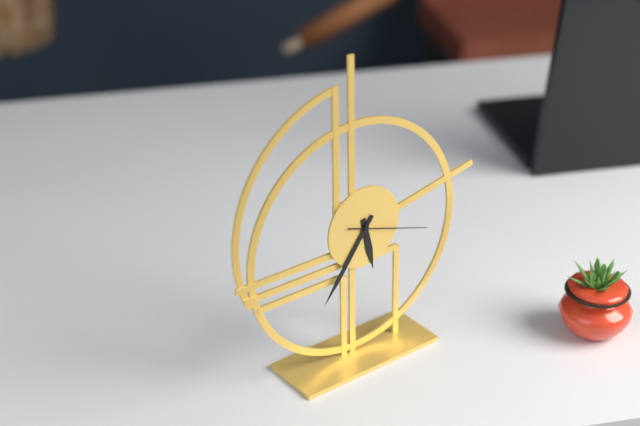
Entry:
h=5 m=36 s=18
